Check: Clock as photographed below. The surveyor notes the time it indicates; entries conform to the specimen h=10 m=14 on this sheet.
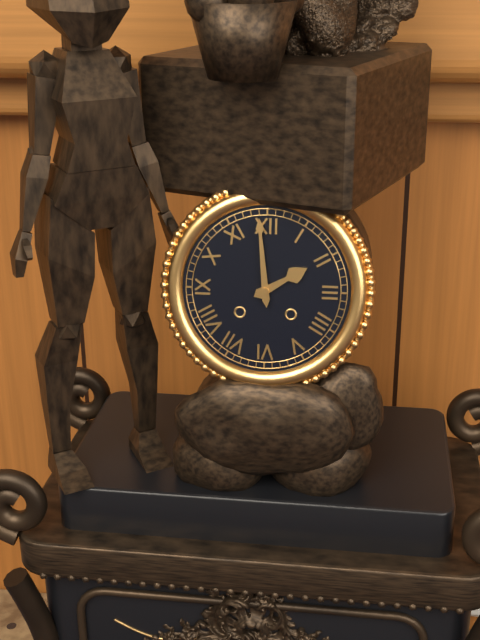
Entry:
h=1 m=59
